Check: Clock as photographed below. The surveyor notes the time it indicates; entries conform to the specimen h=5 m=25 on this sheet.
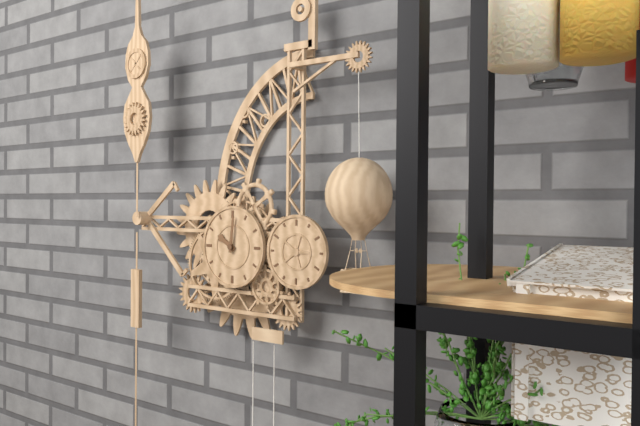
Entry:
h=10 m=1
